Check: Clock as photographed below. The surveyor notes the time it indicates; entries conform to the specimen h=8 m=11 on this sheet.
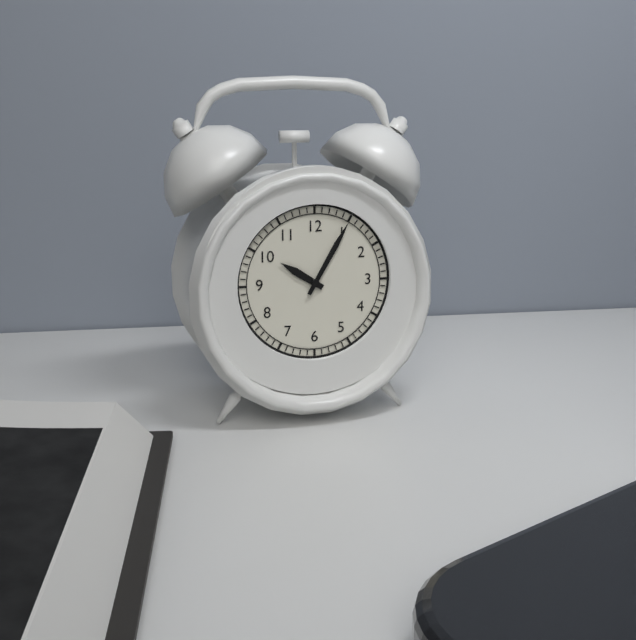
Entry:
h=10 m=5
